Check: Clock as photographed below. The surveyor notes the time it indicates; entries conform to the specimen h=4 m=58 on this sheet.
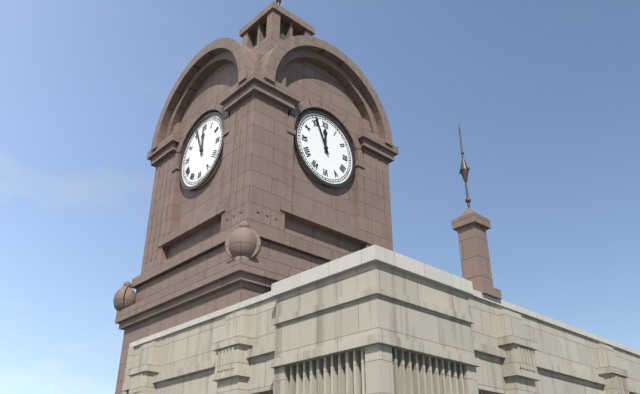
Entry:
h=11 m=56
